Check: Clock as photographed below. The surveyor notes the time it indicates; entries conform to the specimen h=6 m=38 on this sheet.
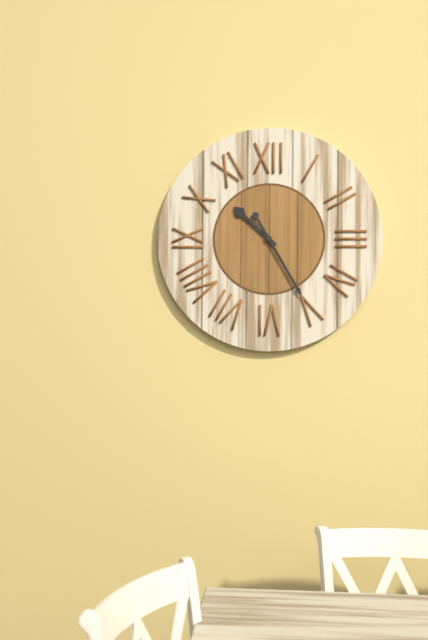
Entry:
h=10 m=25
